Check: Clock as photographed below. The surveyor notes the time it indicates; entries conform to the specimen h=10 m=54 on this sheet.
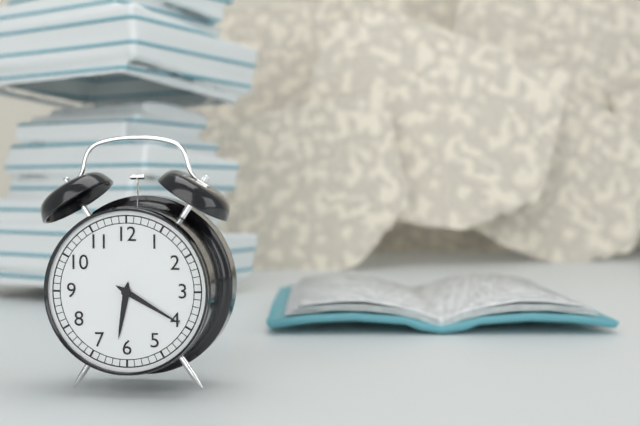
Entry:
h=6 m=20
